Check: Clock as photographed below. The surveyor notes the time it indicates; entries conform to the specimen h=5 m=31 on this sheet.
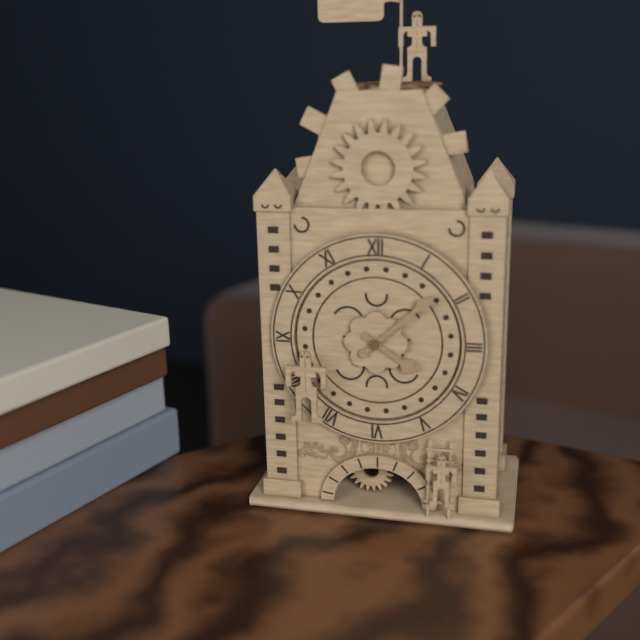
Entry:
h=4 m=8
